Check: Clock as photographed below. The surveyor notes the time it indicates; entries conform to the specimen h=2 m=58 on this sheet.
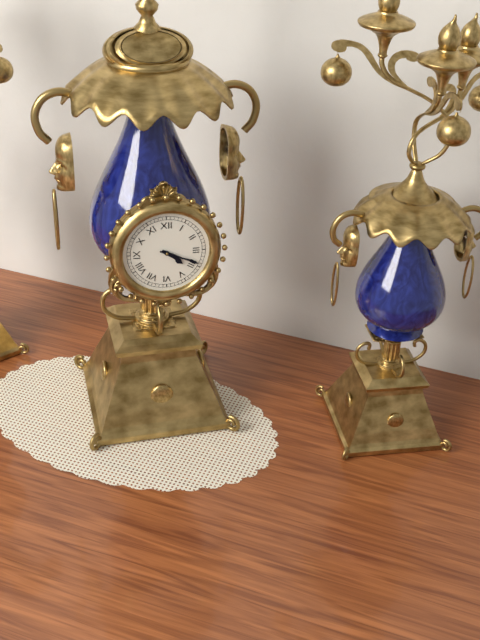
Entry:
h=4 m=19
